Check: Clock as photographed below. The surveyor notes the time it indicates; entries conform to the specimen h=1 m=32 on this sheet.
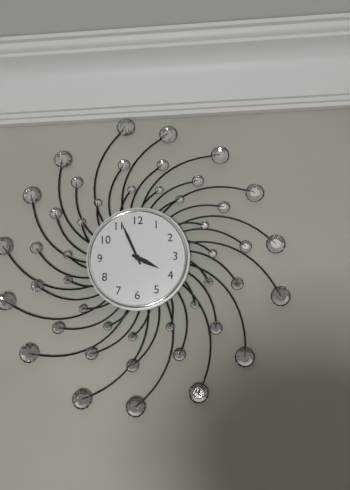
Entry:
h=3 m=56
